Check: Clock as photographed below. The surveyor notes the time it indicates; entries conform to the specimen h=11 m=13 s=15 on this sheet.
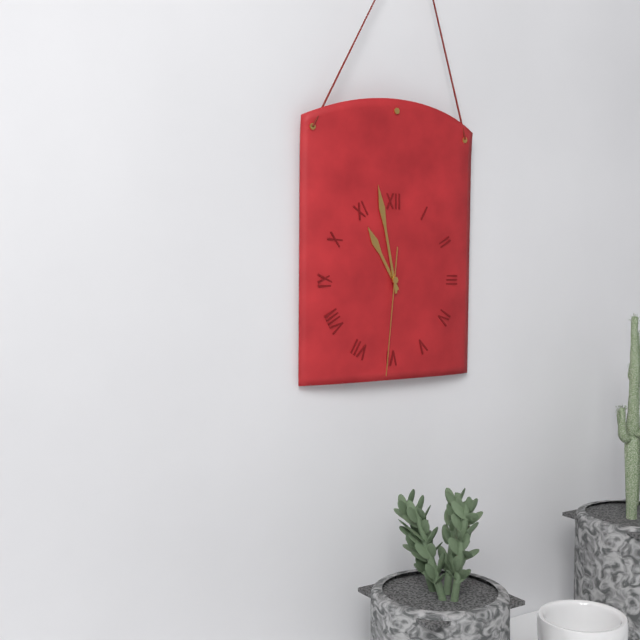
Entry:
h=10 m=58 s=31
